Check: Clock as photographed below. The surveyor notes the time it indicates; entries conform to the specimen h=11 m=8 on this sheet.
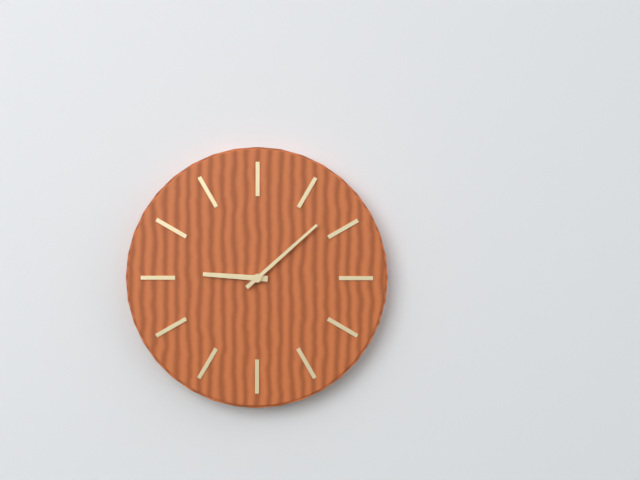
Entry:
h=9 m=8
